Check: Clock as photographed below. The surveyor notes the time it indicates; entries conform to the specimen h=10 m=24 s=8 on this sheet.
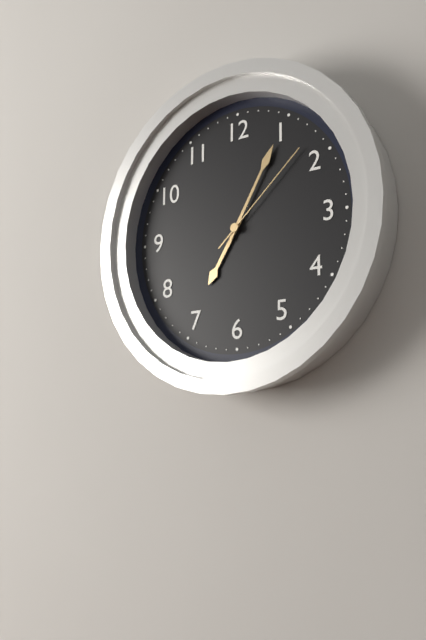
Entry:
h=7 m=5 s=8
